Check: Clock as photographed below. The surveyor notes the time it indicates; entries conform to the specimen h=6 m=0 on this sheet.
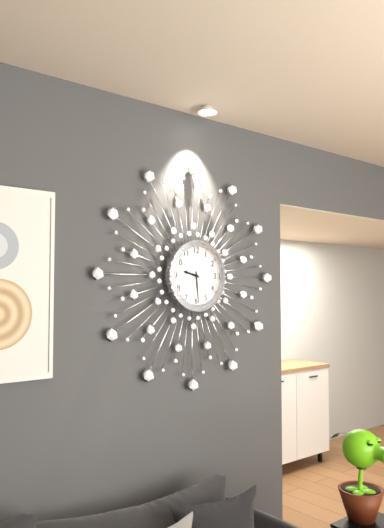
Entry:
h=9 m=29
